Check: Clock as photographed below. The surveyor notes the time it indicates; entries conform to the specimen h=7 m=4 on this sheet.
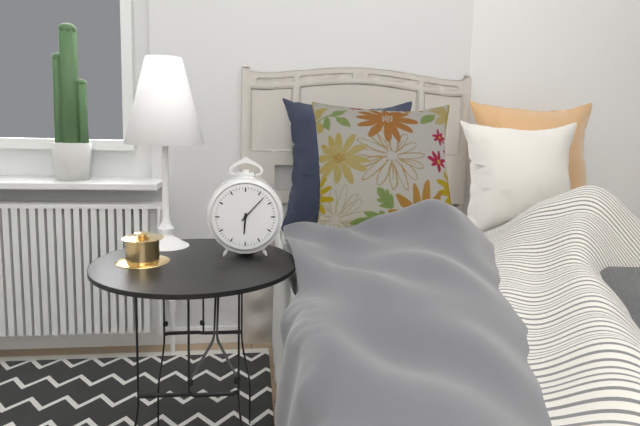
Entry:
h=6 m=7
